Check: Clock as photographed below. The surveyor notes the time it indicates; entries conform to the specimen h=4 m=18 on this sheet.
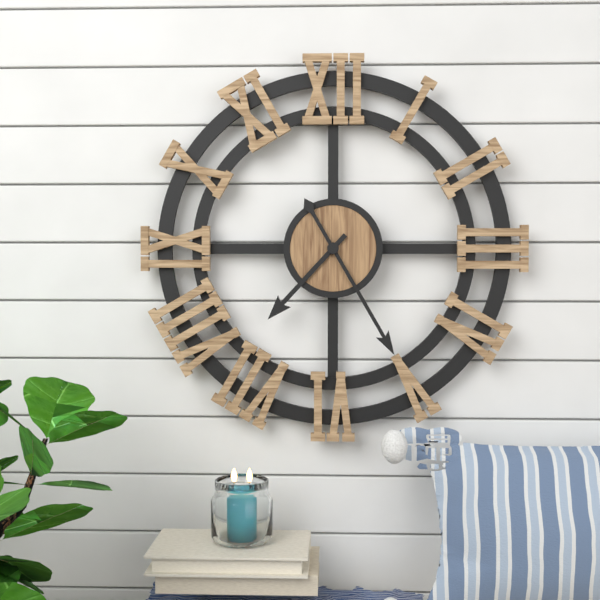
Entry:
h=7 m=25
